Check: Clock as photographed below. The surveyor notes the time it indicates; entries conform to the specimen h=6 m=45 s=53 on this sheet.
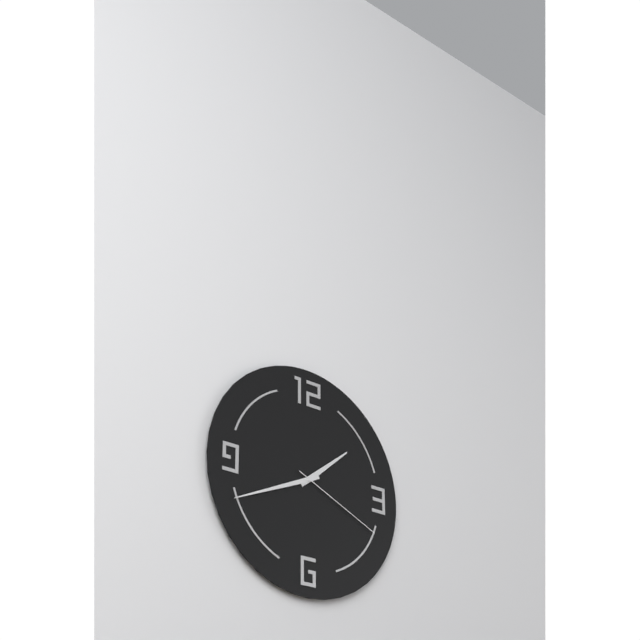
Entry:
h=1 m=41 s=19
